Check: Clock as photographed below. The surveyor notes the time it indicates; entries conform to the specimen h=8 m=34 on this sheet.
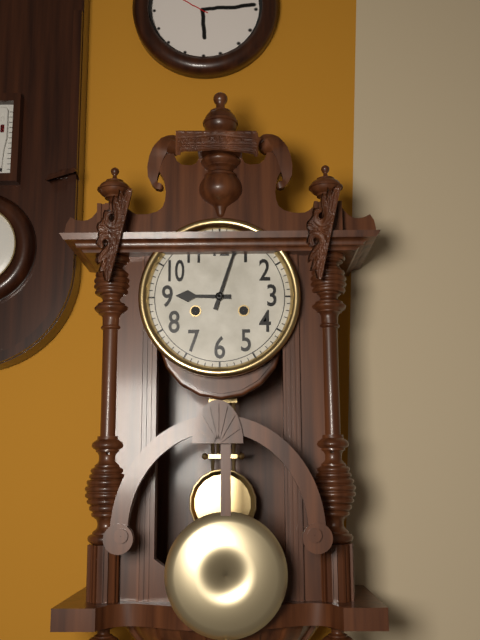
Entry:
h=9 m=3
